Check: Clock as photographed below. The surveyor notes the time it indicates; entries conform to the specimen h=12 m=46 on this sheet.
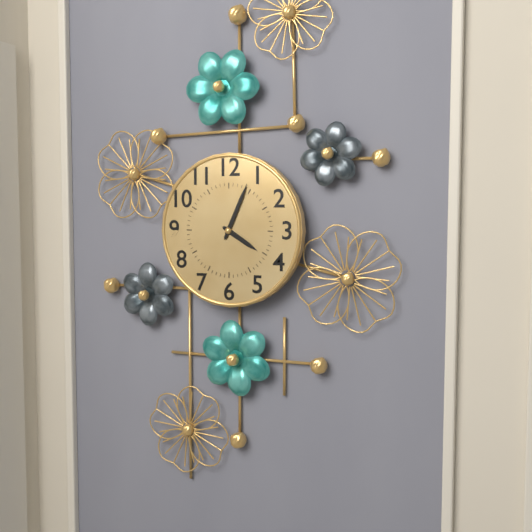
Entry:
h=4 m=4
